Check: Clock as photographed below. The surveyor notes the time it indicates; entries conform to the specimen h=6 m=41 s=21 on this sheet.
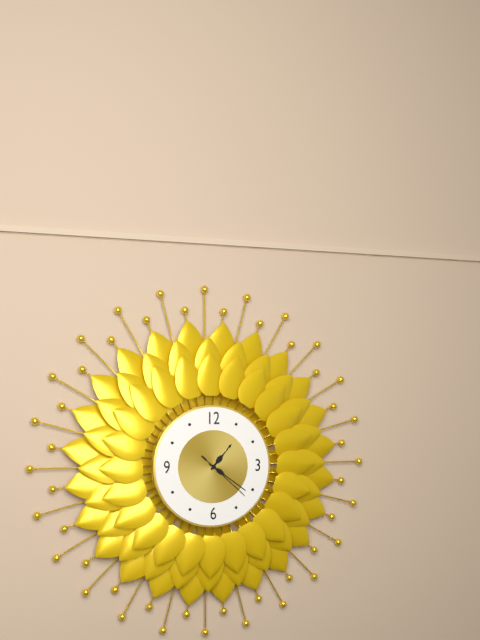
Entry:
h=1 m=21 s=22
